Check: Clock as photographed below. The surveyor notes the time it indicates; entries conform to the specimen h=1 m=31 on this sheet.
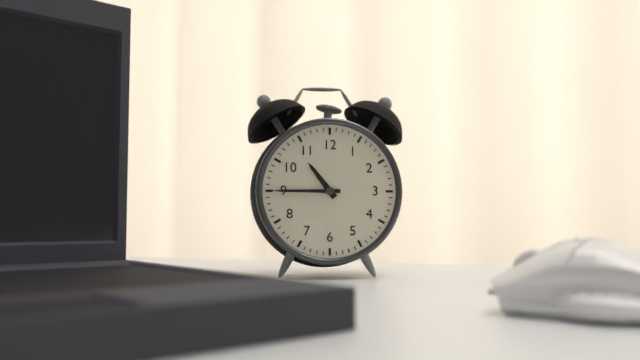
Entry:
h=10 m=45
